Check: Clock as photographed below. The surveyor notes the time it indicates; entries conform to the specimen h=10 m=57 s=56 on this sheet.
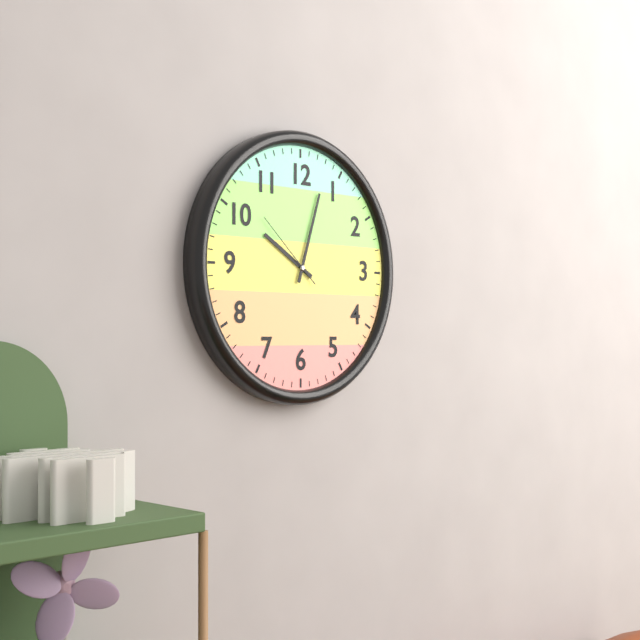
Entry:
h=10 m=3 s=52
